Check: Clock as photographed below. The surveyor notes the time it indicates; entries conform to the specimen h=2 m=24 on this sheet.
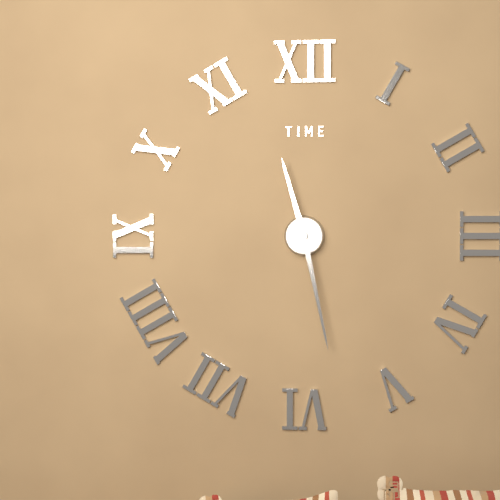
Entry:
h=11 m=28
